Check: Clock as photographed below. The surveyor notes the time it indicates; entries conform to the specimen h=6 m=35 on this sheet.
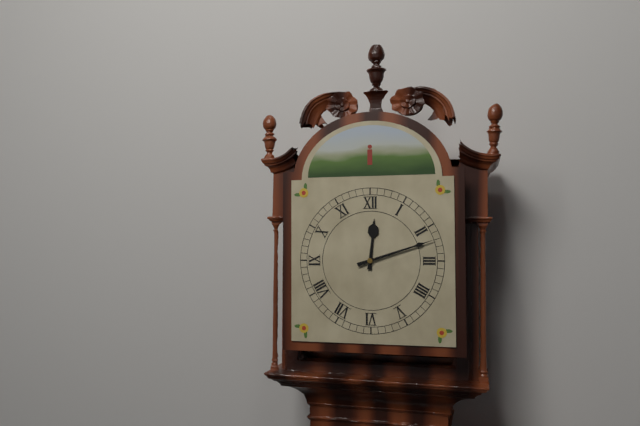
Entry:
h=12 m=12
